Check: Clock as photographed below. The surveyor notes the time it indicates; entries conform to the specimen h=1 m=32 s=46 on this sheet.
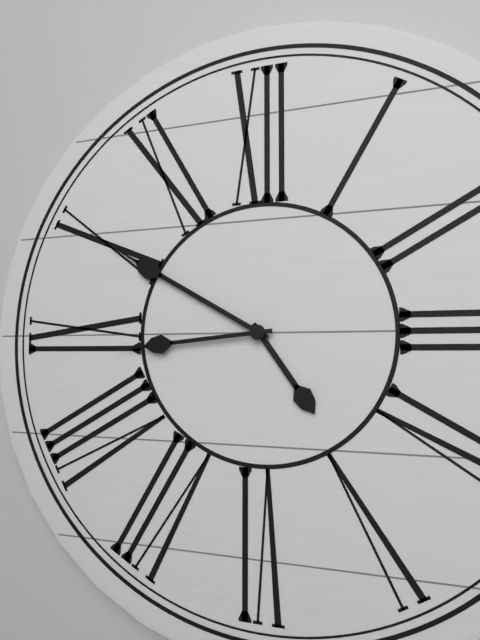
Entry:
h=4 m=50 s=44
